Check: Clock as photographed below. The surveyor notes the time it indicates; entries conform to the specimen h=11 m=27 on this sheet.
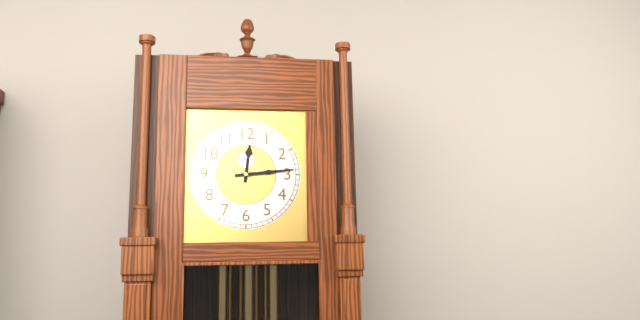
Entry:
h=12 m=14
